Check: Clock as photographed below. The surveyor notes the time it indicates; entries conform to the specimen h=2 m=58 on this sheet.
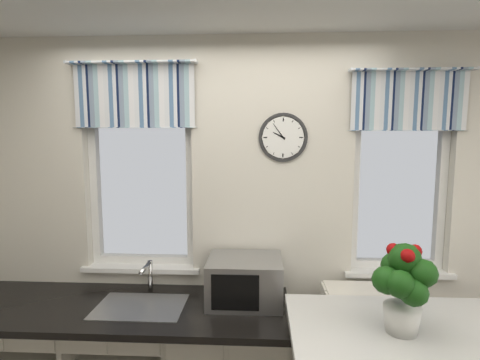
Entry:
h=9 m=54
